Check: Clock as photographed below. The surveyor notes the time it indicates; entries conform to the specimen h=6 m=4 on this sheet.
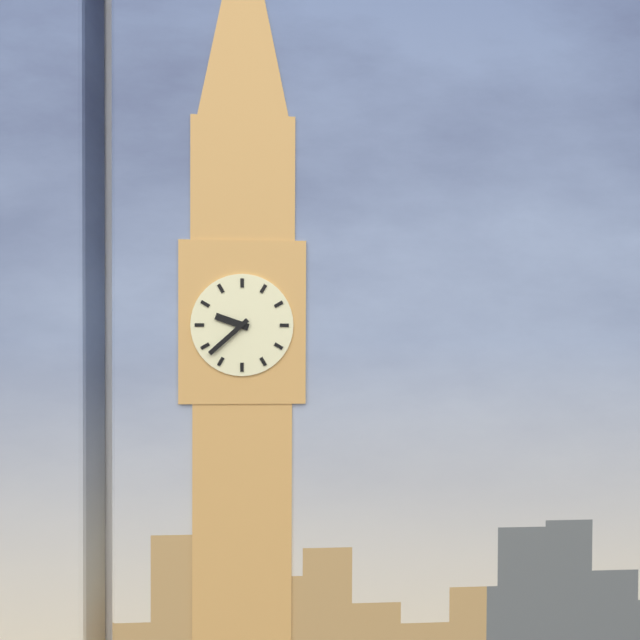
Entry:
h=9 m=38
